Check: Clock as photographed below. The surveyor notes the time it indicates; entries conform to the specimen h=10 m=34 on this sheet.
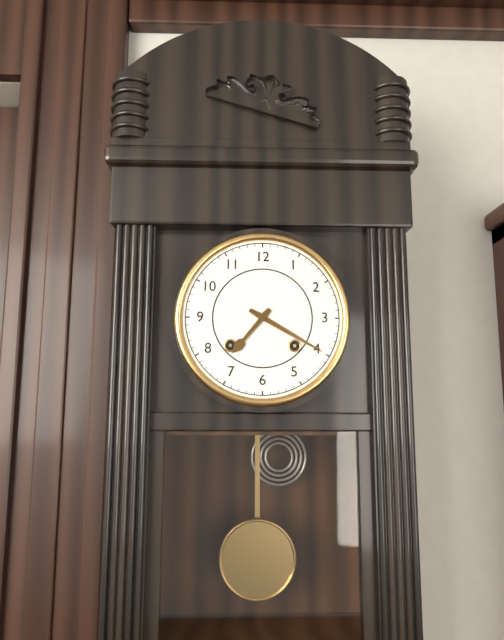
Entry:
h=7 m=20
